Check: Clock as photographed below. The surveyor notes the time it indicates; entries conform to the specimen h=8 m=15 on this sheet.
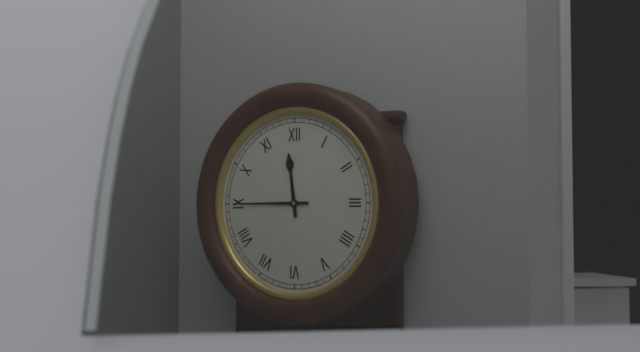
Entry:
h=11 m=45
